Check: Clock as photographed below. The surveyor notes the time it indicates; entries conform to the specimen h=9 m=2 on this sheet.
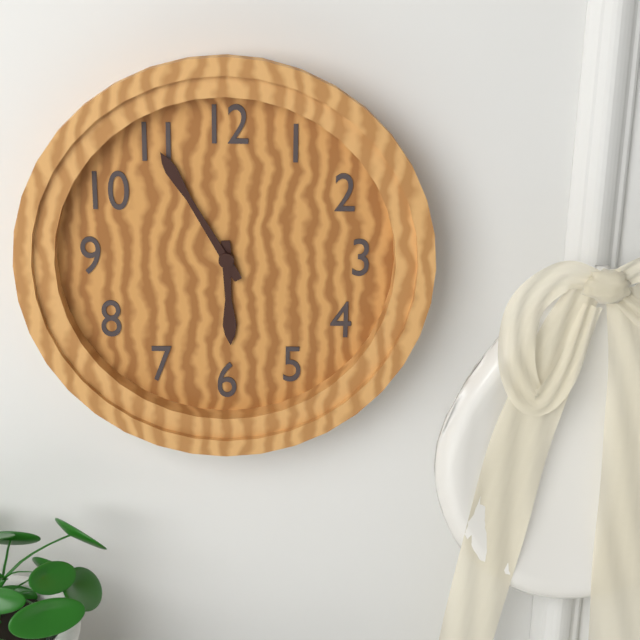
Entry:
h=5 m=55
